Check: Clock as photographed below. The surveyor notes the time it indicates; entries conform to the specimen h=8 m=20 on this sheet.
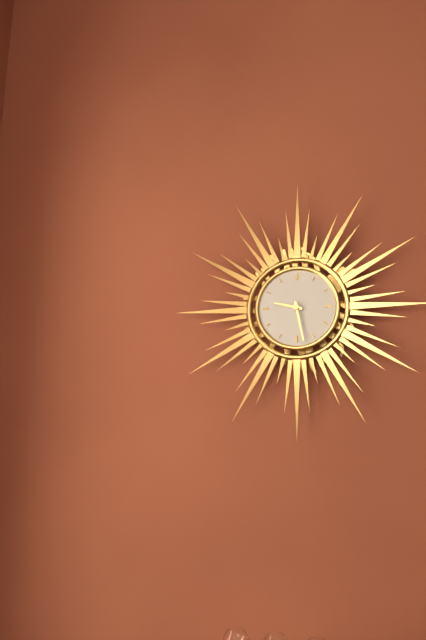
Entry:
h=9 m=28
